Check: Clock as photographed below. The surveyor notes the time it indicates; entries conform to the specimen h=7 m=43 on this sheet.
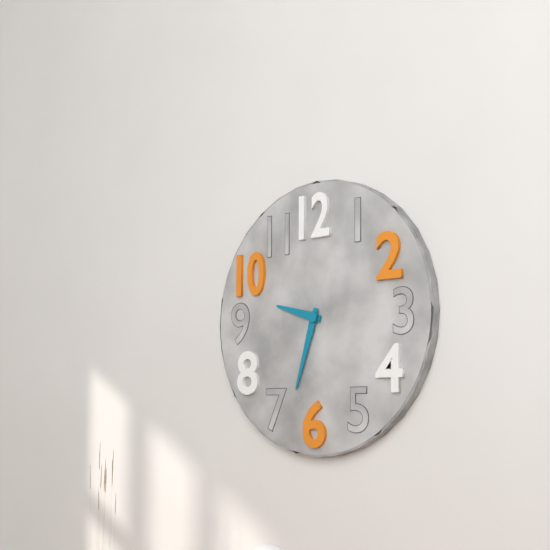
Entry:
h=9 m=33
